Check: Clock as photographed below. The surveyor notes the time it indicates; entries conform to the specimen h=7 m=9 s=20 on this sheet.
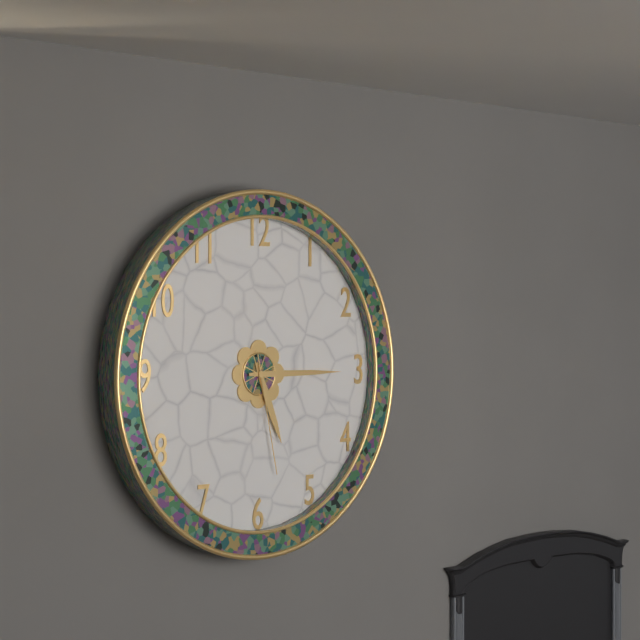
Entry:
h=5 m=15 s=28
